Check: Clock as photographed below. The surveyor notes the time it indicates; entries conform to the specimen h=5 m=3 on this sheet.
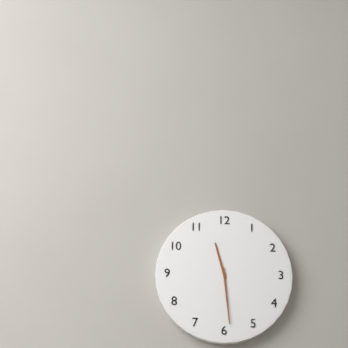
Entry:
h=11 m=29
